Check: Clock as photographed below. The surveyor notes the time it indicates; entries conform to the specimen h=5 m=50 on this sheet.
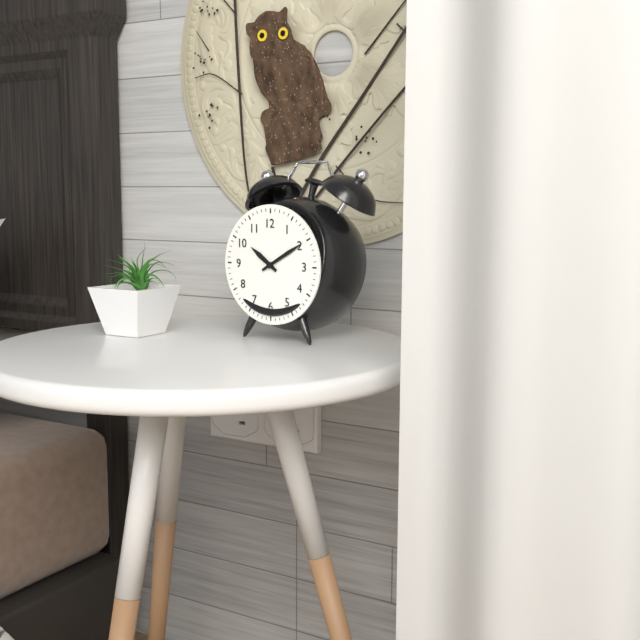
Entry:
h=10 m=10
